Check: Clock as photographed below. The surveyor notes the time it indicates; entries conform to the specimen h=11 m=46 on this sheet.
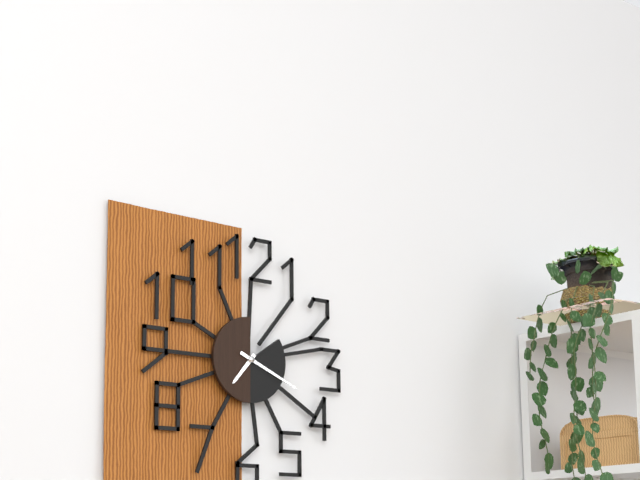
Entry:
h=7 m=19
